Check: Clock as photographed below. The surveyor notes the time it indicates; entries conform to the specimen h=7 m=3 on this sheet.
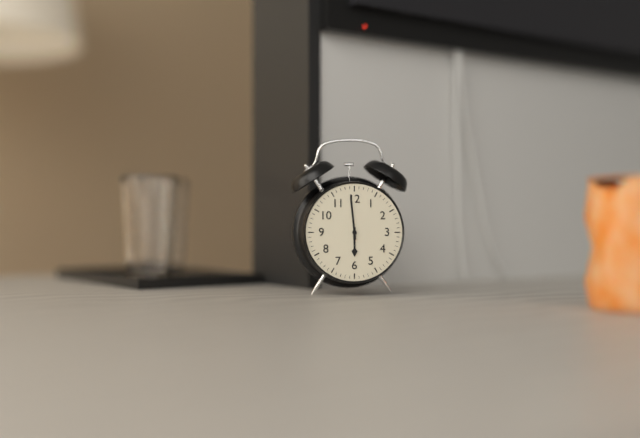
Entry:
h=5 m=59
